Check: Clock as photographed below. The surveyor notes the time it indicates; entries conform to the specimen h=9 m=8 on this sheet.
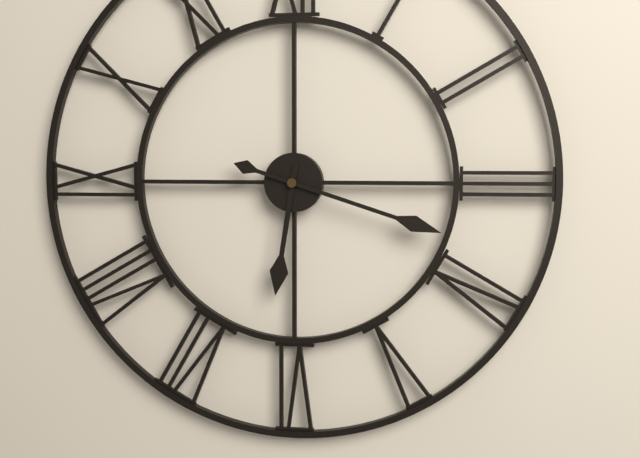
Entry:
h=6 m=18
